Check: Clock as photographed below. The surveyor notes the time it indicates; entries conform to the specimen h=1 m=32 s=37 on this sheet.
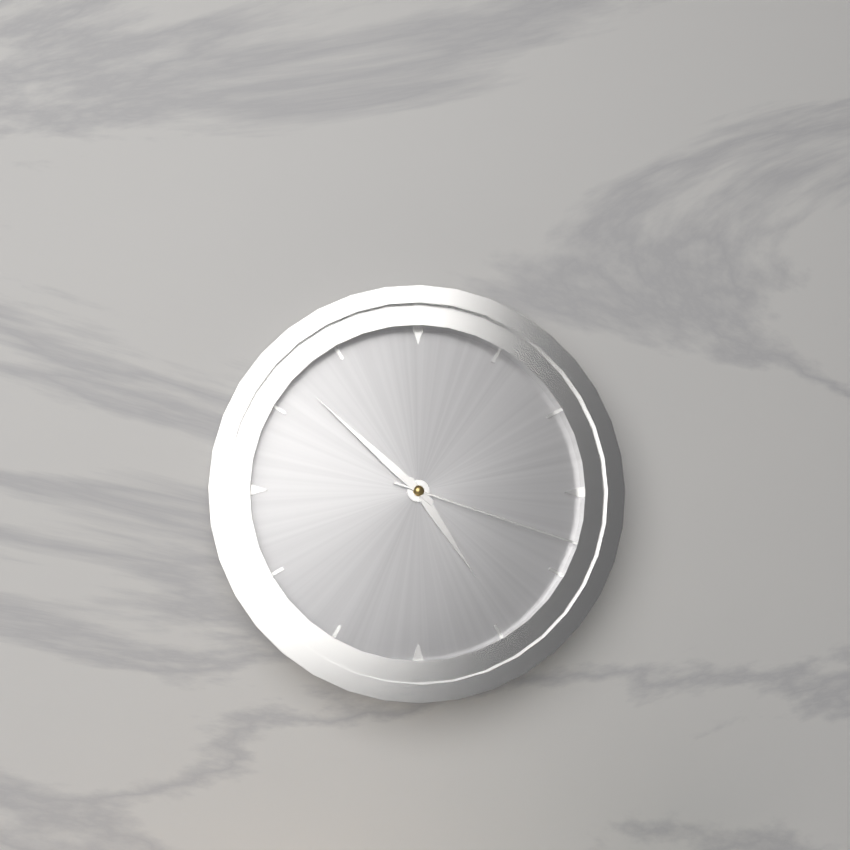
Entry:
h=4 m=52 s=18
